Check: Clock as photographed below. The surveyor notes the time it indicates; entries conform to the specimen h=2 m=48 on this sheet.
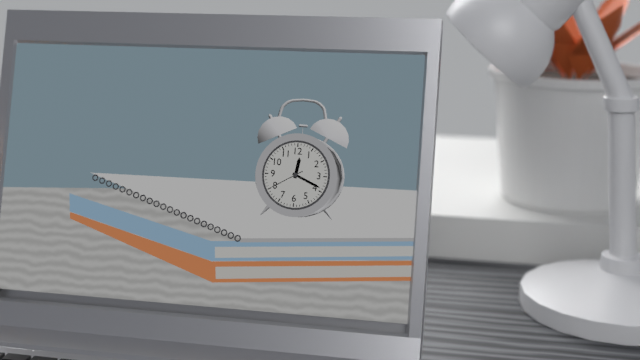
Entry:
h=12 m=19
